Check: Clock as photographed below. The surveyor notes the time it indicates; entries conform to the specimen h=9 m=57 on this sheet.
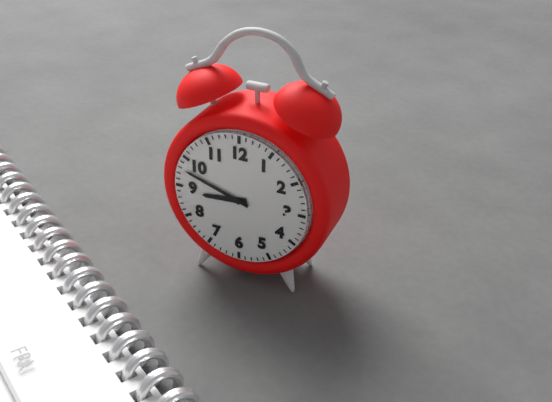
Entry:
h=8 m=48
